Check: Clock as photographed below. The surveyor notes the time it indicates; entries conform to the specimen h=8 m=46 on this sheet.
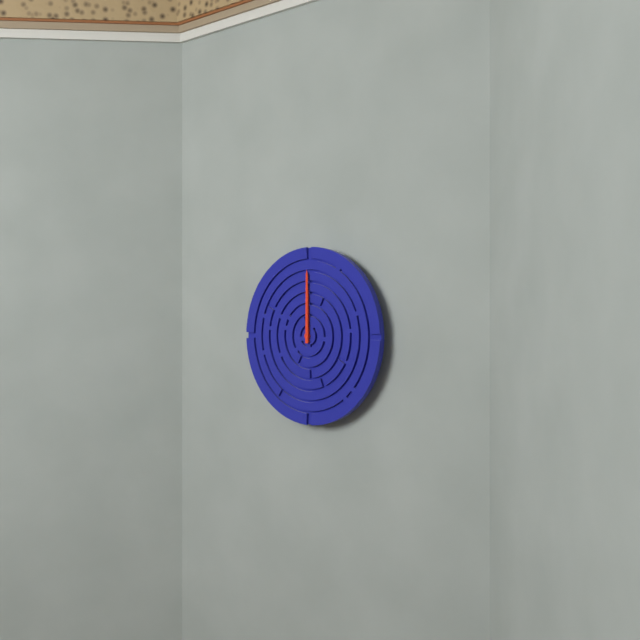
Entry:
h=12 m=0
